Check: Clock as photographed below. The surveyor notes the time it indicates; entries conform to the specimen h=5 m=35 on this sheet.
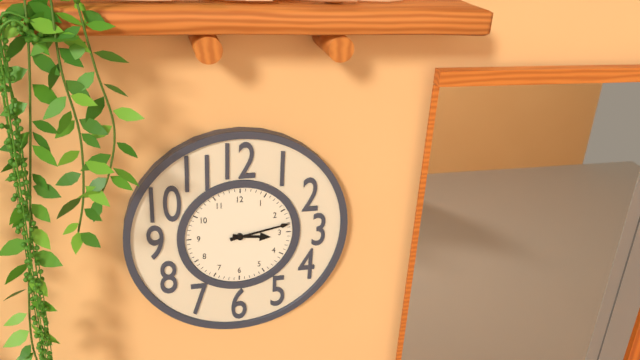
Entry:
h=3 m=13
